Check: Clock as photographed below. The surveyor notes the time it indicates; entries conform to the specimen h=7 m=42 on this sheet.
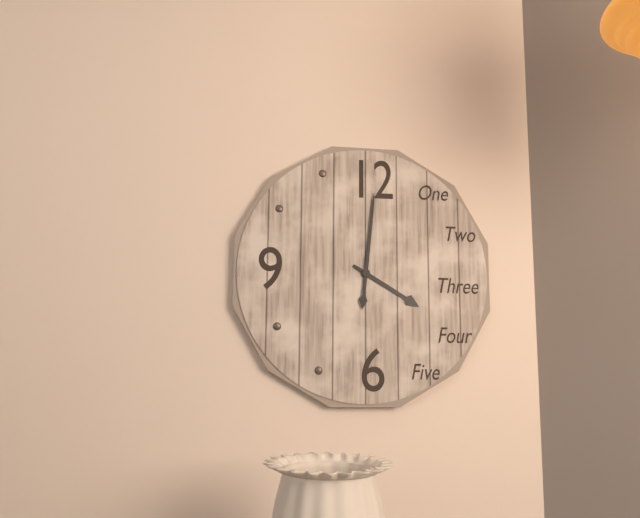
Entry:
h=4 m=1
